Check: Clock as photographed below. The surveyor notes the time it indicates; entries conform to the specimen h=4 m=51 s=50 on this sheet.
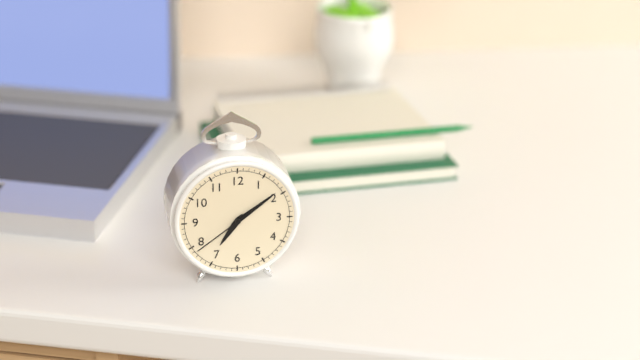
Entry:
h=7 m=9 s=39
